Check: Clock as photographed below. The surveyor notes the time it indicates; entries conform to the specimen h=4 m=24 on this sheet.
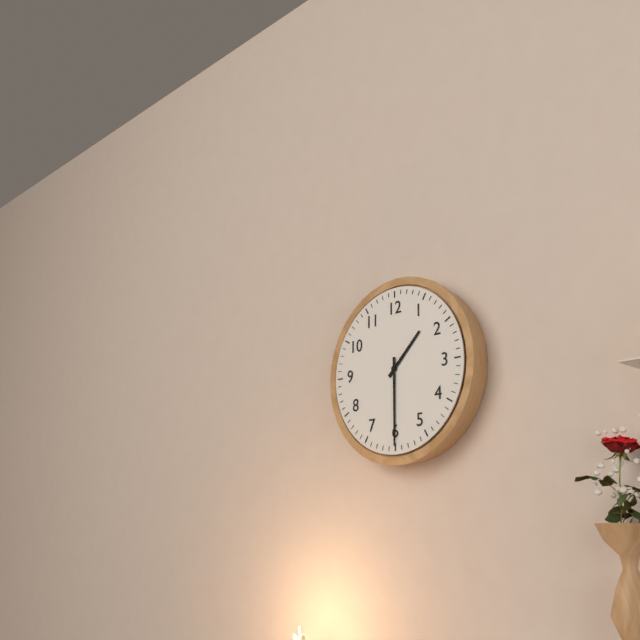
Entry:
h=1 m=30
